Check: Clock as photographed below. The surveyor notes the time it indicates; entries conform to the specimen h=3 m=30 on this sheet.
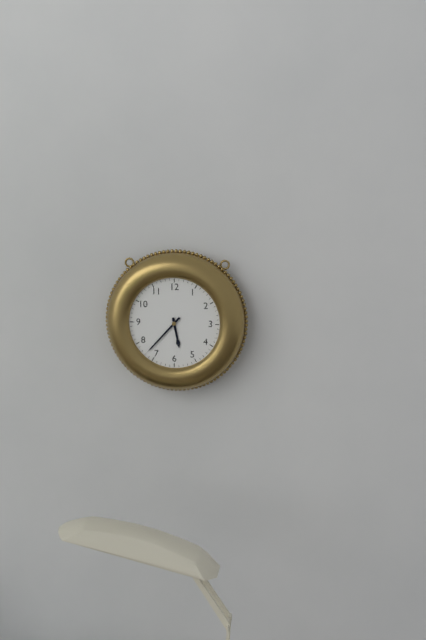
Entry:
h=5 m=37
